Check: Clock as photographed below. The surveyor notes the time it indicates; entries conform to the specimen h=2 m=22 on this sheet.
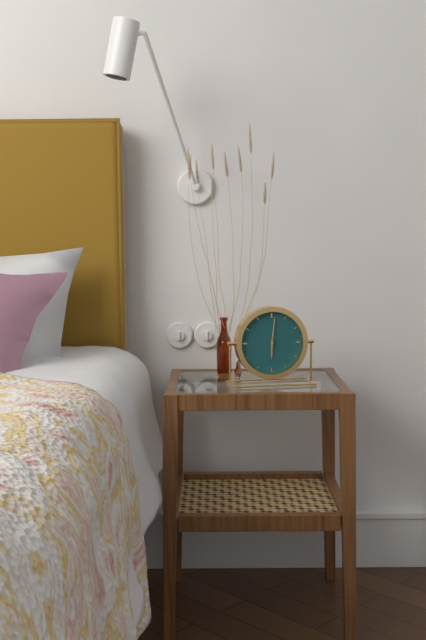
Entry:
h=6 m=1
